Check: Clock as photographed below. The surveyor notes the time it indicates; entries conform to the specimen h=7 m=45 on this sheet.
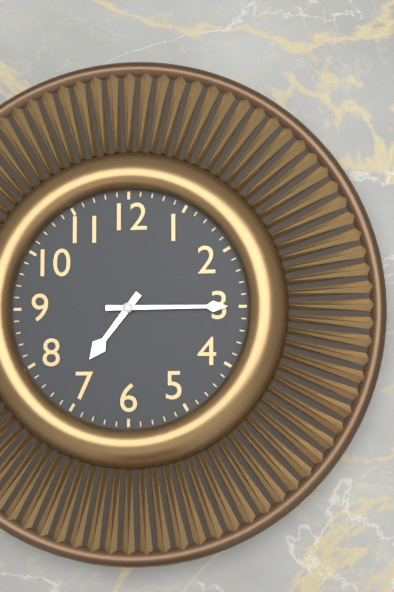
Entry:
h=7 m=15
